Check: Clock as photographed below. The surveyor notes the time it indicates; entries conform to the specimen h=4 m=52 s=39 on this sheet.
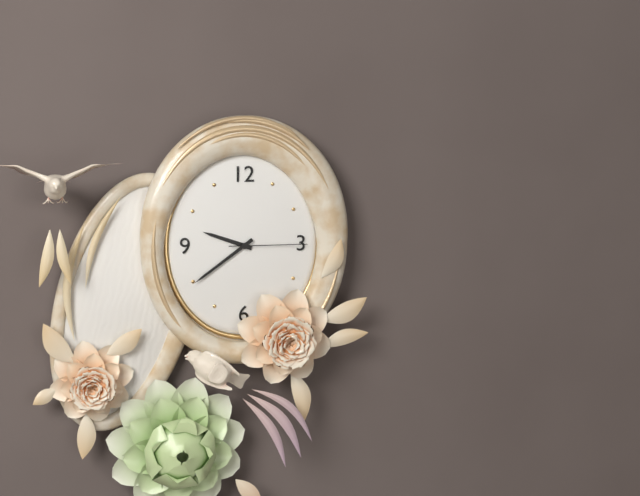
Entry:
h=9 m=39 s=15
